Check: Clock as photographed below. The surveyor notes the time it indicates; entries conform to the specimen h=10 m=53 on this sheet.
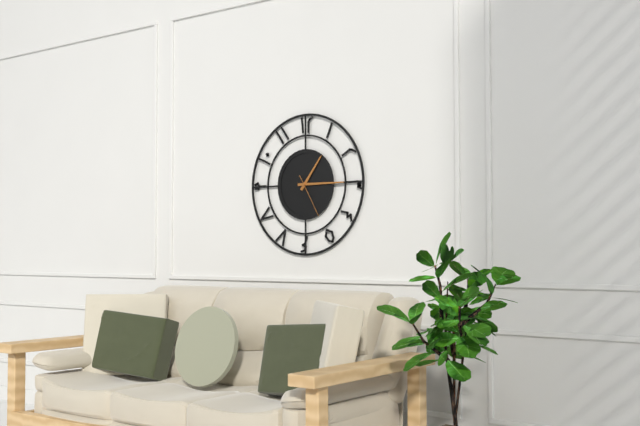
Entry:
h=1 m=15
